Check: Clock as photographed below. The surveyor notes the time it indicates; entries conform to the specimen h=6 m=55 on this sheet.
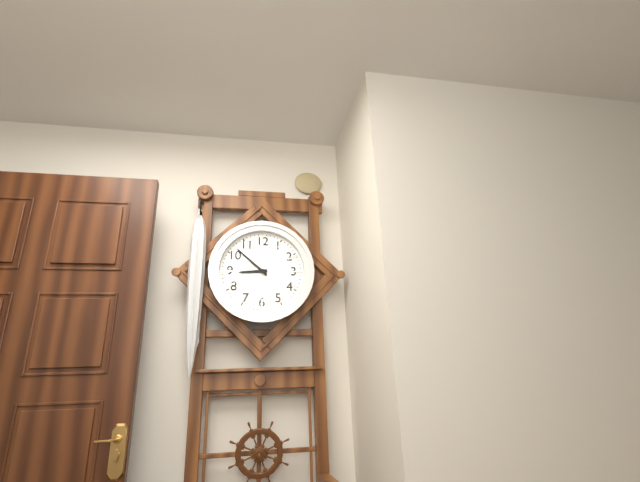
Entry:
h=8 m=52
